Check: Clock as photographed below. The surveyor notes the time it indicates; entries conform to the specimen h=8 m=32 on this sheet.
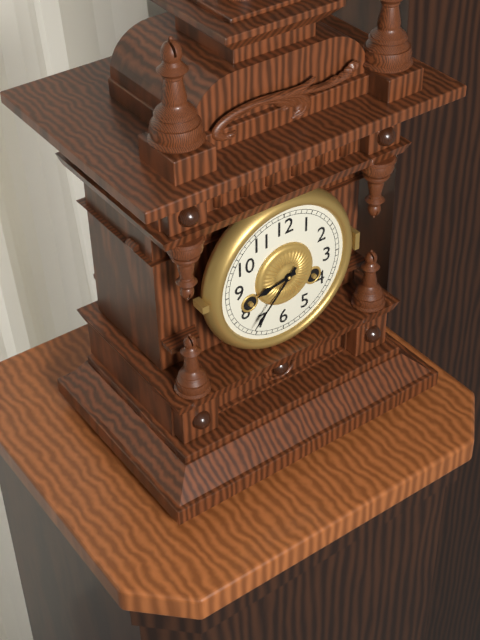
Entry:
h=8 m=37
